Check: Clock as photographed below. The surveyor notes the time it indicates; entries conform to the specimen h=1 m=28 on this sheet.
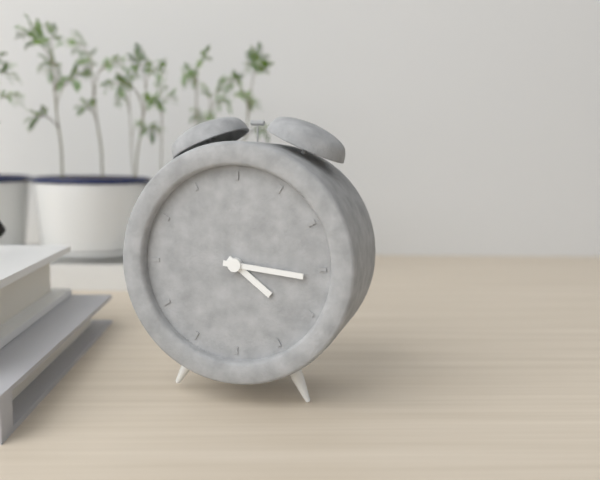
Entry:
h=4 m=16
